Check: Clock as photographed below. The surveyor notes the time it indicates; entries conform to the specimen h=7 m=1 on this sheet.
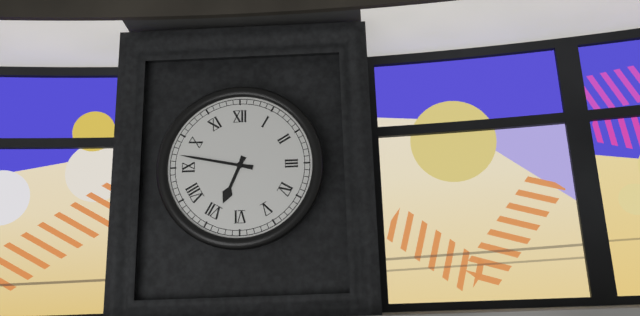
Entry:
h=6 m=47
